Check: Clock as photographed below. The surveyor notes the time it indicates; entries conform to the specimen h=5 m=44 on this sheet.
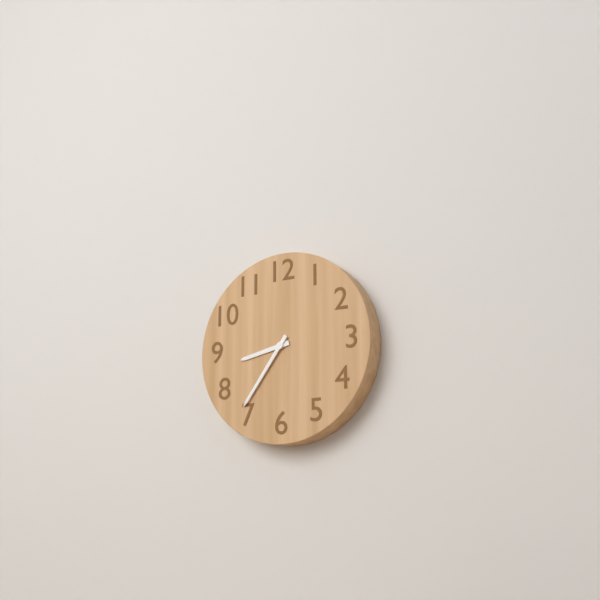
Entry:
h=8 m=36
